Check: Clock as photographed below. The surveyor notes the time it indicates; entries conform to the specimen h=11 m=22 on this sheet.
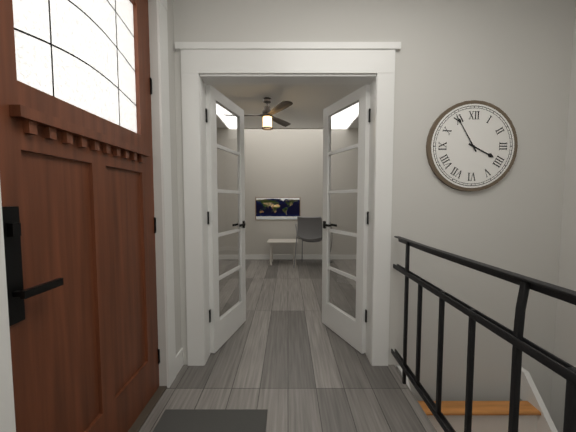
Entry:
h=3 m=55
